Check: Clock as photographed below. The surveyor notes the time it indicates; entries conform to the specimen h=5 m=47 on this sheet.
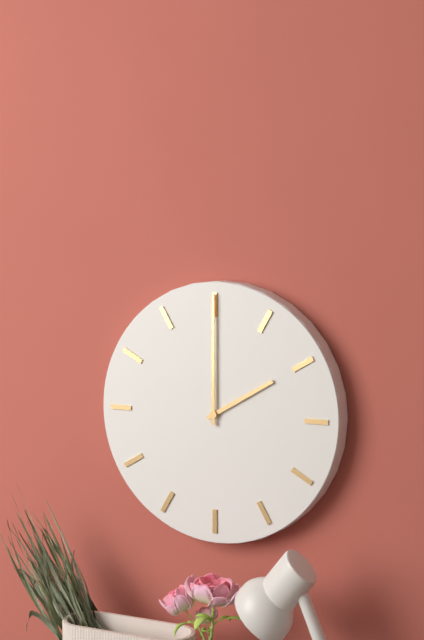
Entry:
h=2 m=0
